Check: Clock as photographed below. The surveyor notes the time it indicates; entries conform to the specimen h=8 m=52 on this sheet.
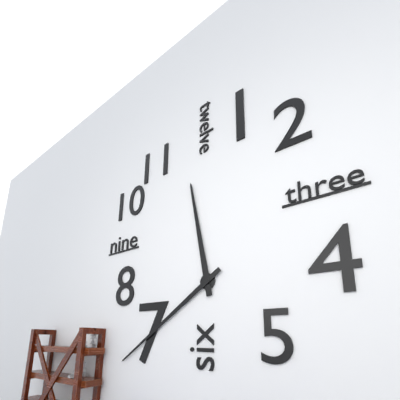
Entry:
h=11 m=39
